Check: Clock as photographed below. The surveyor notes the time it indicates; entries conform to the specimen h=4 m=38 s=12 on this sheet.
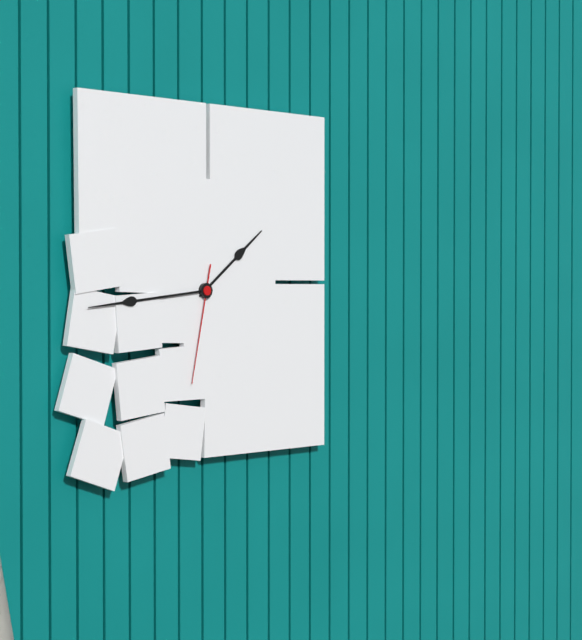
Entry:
h=1 m=44 s=32
